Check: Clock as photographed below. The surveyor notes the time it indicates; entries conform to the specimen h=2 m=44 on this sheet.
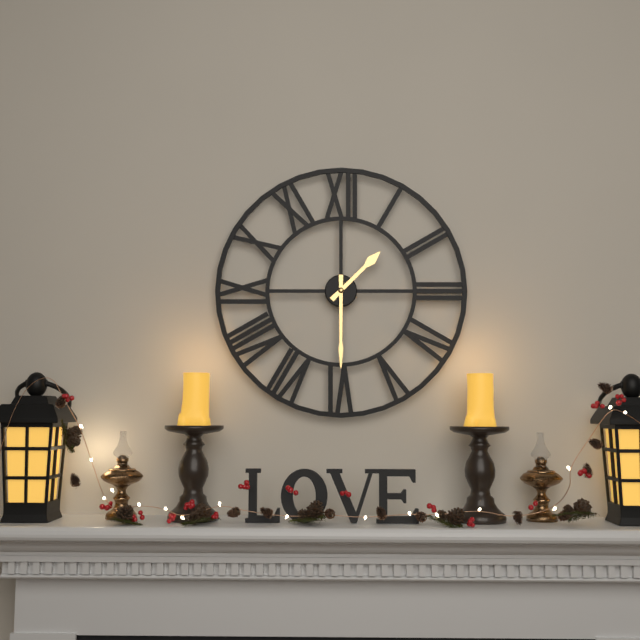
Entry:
h=1 m=30
